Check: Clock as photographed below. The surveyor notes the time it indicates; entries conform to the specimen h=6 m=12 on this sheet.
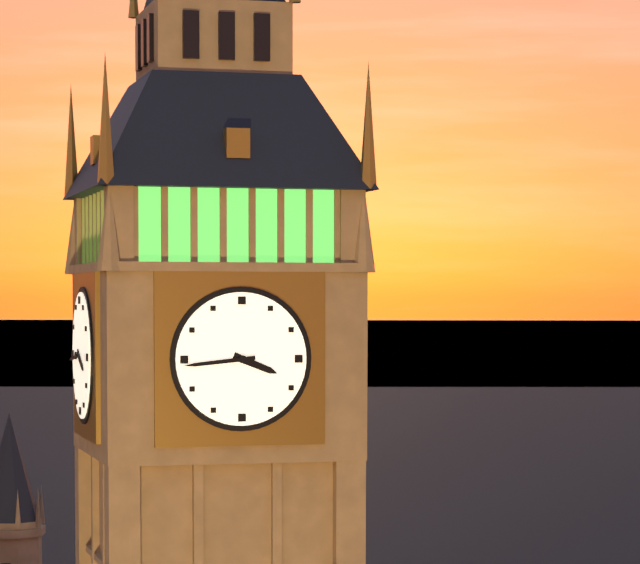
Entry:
h=3 m=44
